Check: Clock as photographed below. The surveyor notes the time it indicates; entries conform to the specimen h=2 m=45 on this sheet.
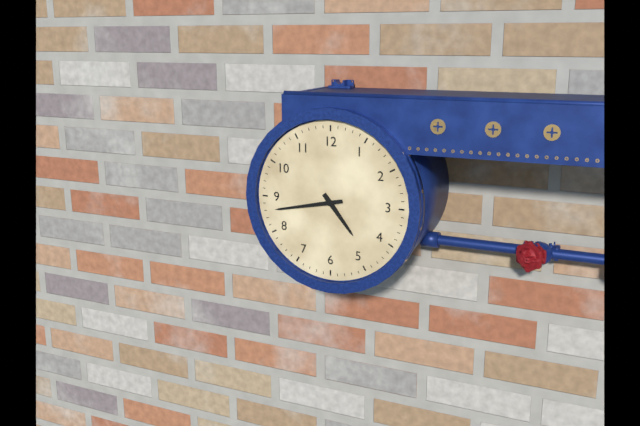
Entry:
h=4 m=43
